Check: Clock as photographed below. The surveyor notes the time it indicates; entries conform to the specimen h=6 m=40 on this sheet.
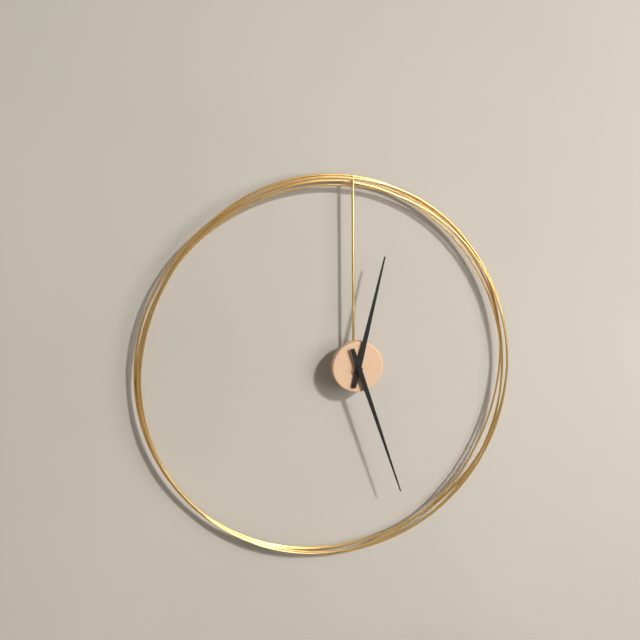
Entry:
h=12 m=27
